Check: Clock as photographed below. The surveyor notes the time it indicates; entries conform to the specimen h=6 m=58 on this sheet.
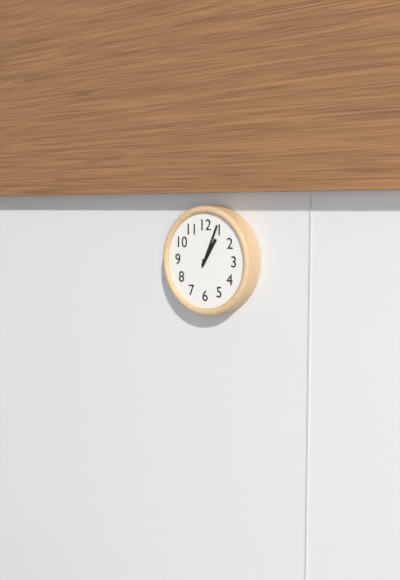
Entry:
h=1 m=4
